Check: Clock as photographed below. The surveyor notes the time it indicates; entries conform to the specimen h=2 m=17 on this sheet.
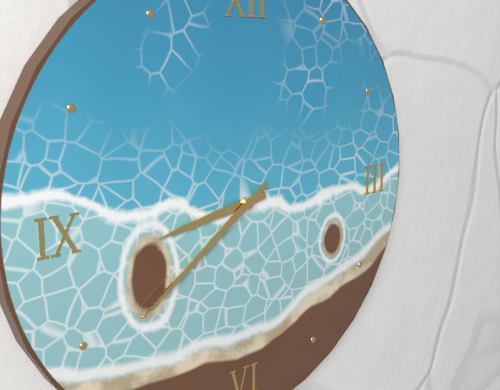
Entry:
h=8 m=39
